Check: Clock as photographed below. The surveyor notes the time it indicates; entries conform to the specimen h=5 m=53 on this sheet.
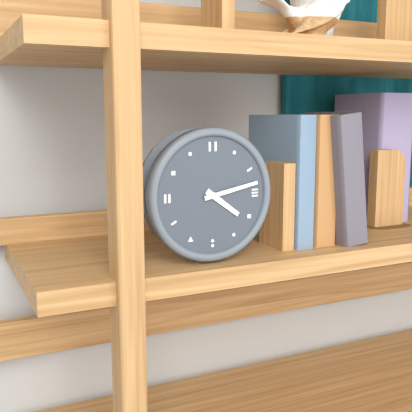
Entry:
h=4 m=13
